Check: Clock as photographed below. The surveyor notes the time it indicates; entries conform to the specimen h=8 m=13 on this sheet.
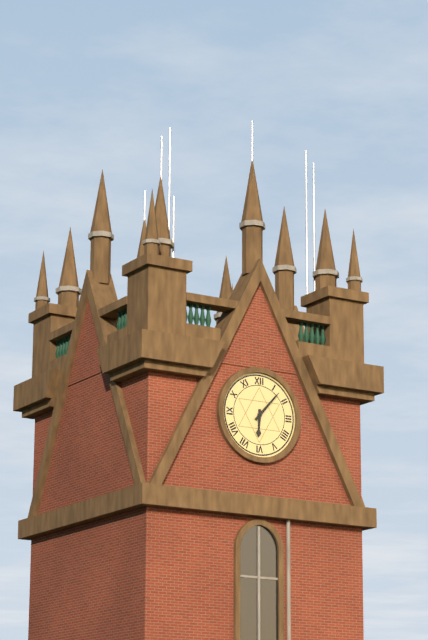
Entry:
h=6 m=7
